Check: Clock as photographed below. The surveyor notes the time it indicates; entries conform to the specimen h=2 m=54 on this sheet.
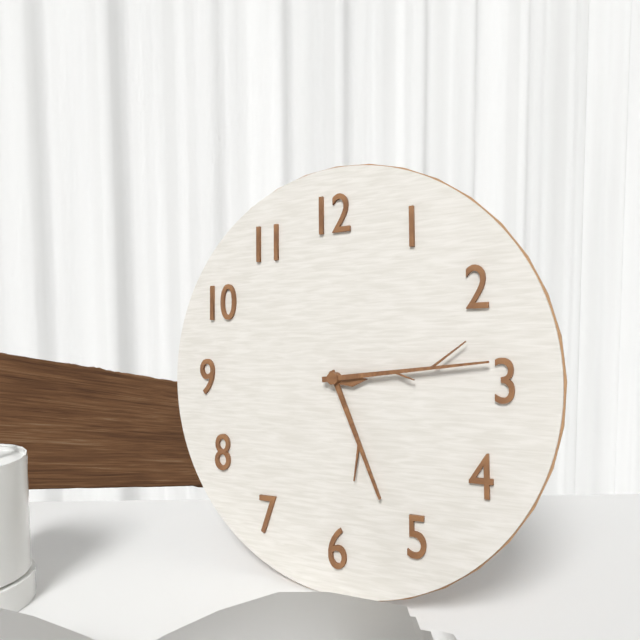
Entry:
h=5 m=14
